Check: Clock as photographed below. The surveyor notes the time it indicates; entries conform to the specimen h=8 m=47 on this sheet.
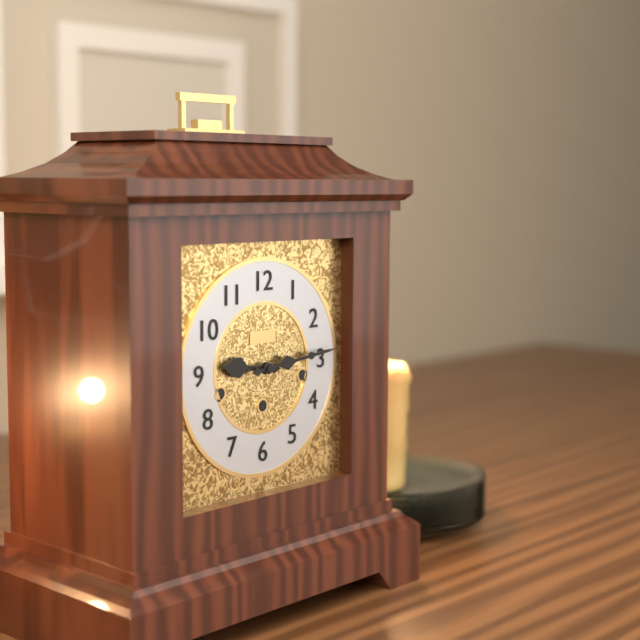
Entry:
h=9 m=14
